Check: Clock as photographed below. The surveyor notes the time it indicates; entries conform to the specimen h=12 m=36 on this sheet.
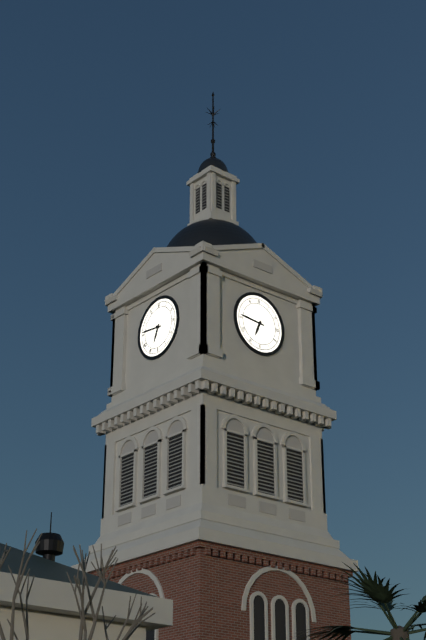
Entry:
h=6 m=46
